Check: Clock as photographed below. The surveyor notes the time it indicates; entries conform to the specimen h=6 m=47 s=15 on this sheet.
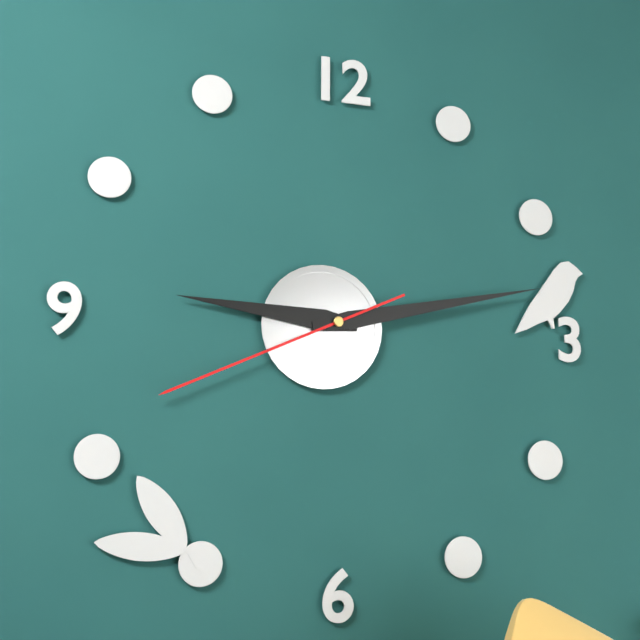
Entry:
h=9 m=13 s=41
